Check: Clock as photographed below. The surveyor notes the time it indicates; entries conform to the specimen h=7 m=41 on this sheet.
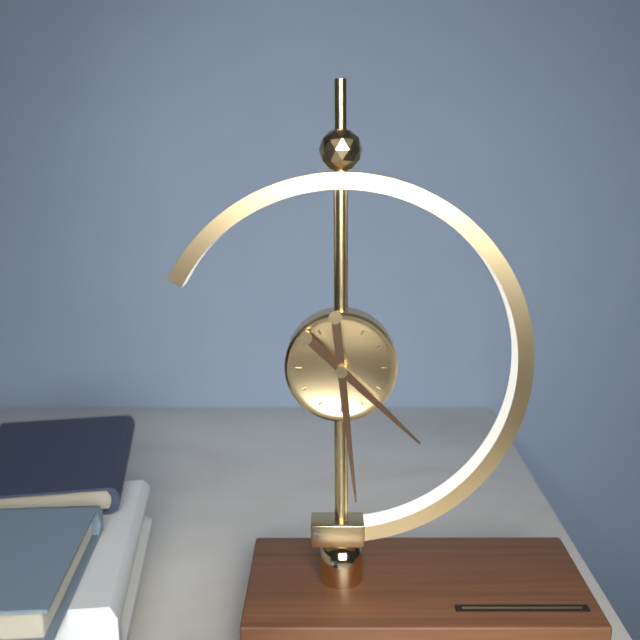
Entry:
h=4 m=29
